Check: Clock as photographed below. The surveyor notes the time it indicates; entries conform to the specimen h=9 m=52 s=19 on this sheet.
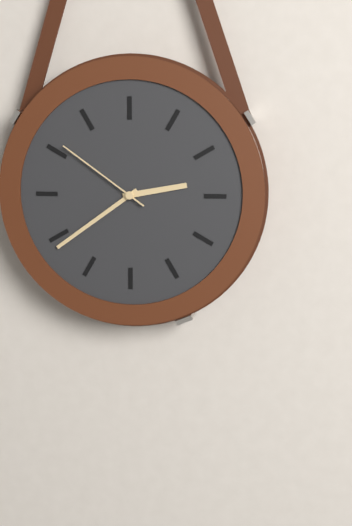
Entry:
h=2 m=39 s=51
